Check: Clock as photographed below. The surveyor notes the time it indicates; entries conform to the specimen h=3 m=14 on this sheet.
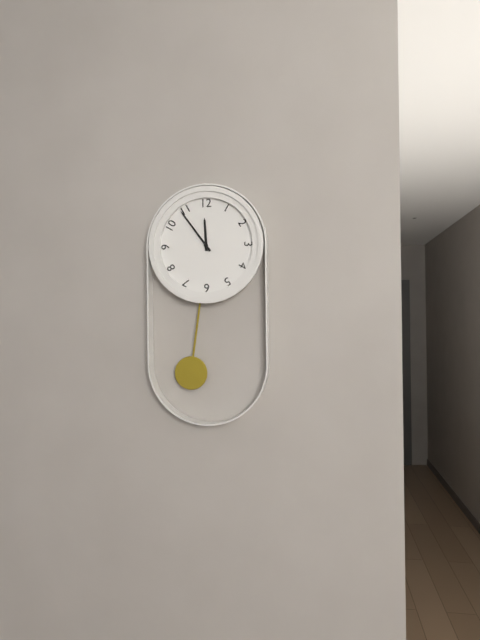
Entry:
h=11 m=54
